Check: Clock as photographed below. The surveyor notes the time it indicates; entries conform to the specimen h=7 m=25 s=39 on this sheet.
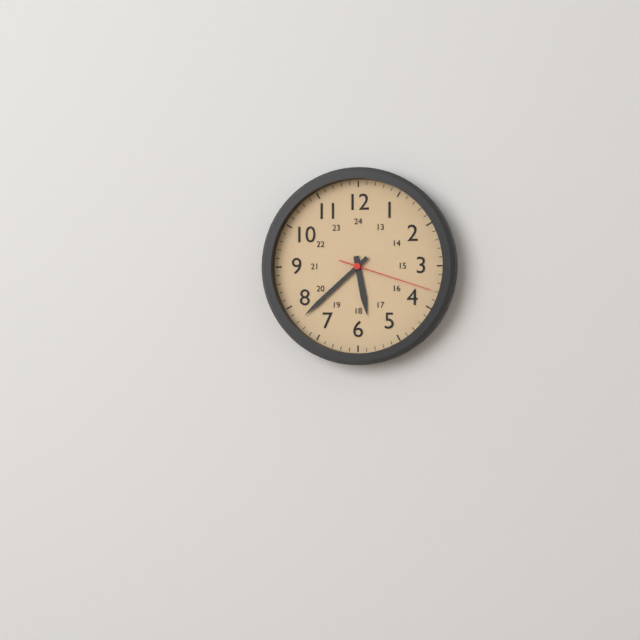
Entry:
h=5 m=38 s=18
